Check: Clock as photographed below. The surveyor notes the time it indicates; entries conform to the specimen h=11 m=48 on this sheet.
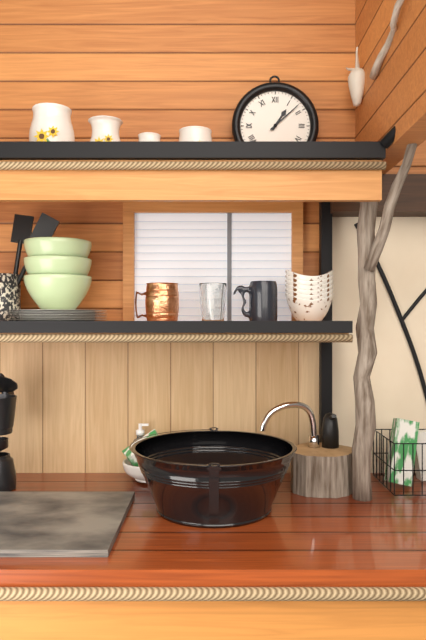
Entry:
h=1 m=8
